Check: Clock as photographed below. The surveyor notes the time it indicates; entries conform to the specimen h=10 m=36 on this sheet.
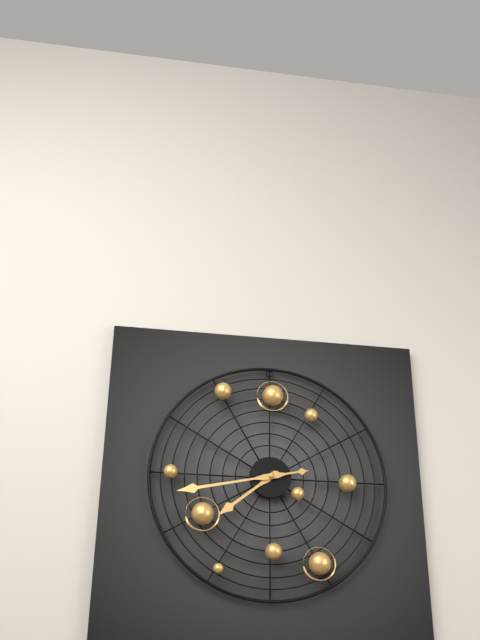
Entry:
h=7 m=43
